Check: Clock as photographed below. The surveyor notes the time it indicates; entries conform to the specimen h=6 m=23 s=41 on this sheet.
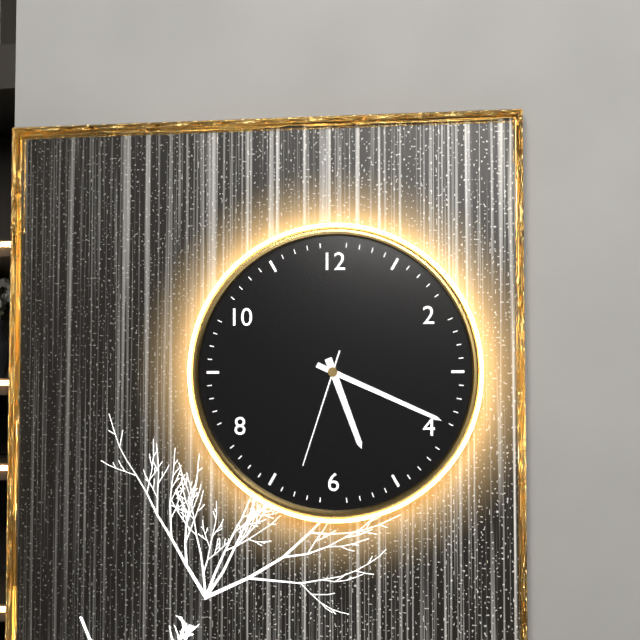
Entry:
h=5 m=19 s=33
